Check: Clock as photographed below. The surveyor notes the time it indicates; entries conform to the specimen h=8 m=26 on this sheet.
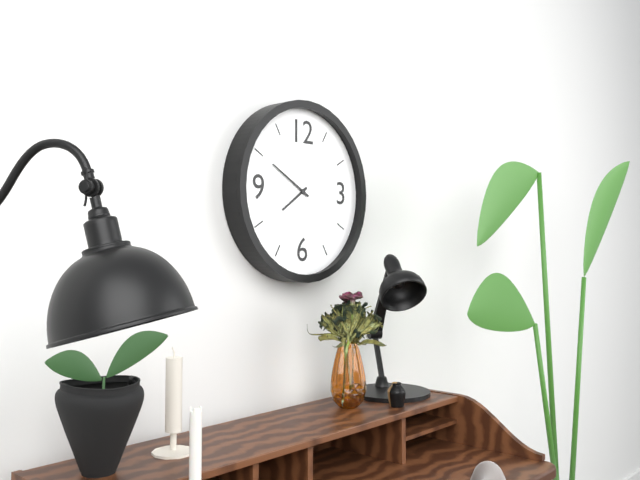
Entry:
h=7 m=50
